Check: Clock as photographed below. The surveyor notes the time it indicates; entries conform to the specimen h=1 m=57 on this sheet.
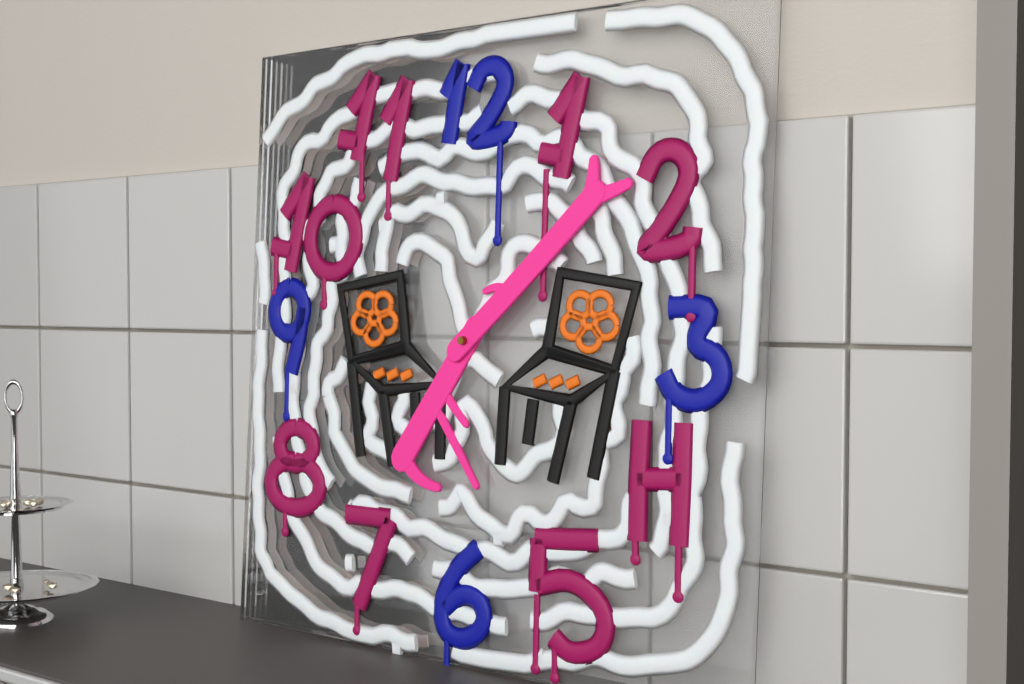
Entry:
h=7 m=8
